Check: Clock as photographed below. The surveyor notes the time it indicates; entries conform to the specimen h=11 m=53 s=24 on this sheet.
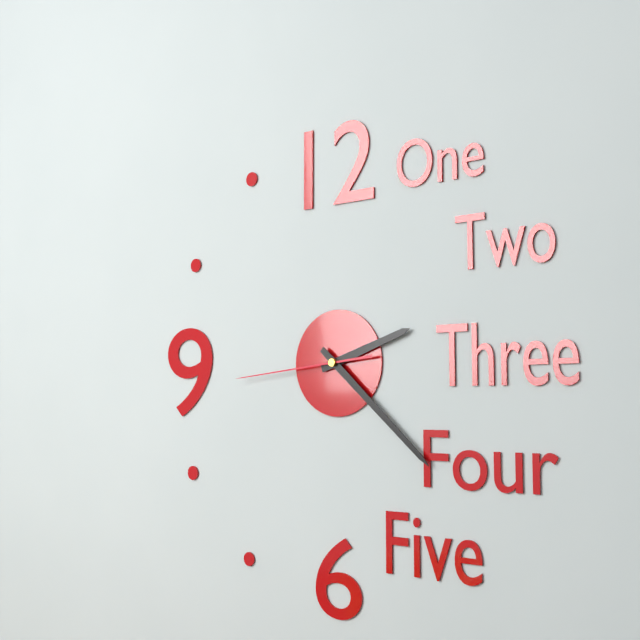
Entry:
h=2 m=22 s=44
